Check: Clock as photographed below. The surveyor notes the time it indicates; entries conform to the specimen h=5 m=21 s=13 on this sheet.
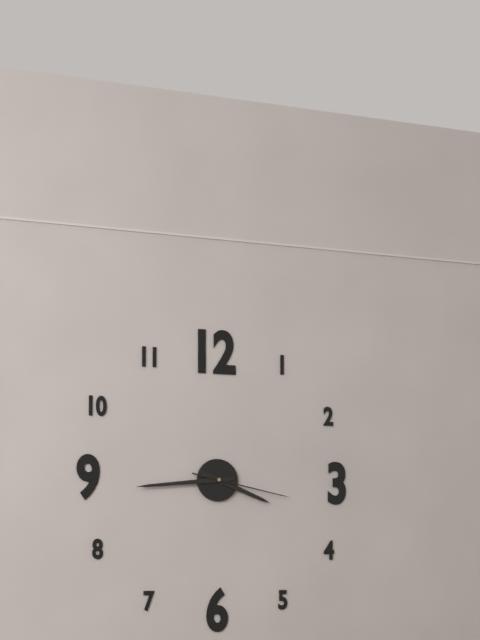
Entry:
h=3 m=44 s=17
